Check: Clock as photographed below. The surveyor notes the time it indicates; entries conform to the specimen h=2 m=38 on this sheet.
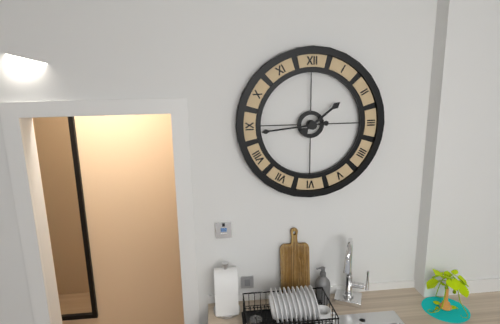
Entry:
h=1 m=44
